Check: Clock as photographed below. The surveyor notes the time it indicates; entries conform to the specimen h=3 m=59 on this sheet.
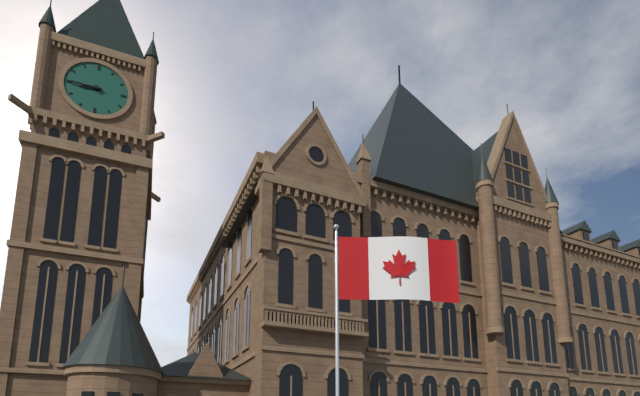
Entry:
h=8 m=45
